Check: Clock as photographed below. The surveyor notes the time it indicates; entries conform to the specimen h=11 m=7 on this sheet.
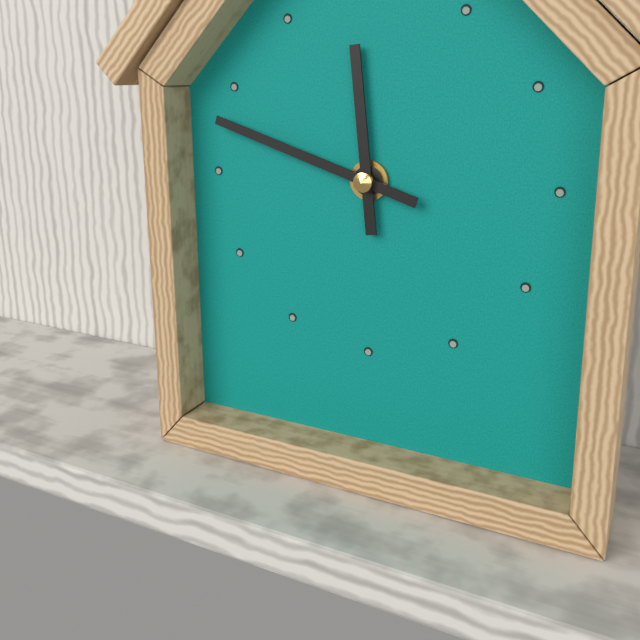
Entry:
h=11 m=48
